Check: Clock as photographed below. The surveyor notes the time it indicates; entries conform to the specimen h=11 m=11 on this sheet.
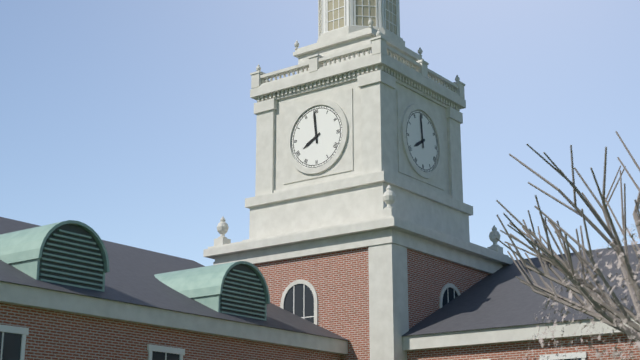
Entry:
h=7 m=59
